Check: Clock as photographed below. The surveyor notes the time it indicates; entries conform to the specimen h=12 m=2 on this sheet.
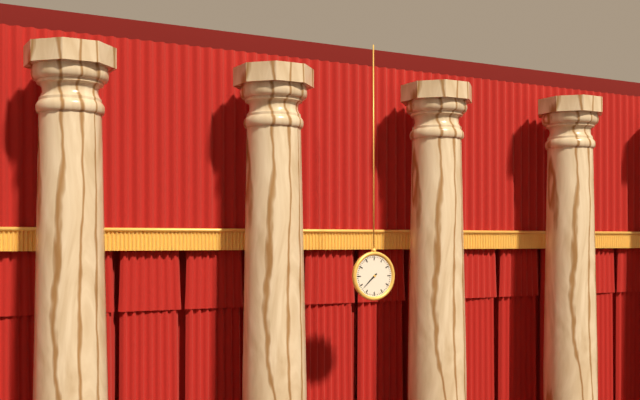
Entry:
h=7 m=38
